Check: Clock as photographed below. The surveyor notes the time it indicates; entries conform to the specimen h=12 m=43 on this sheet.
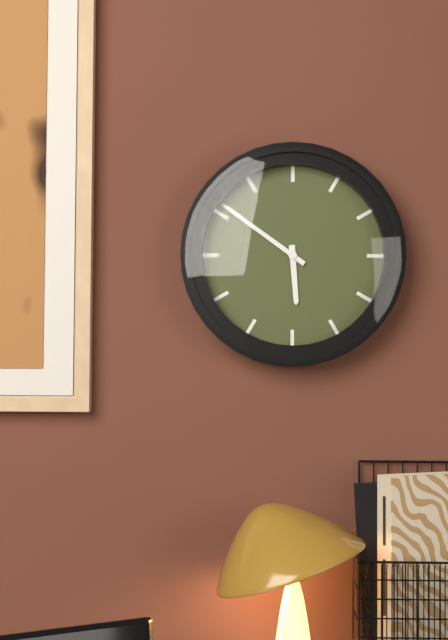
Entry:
h=5 m=51
